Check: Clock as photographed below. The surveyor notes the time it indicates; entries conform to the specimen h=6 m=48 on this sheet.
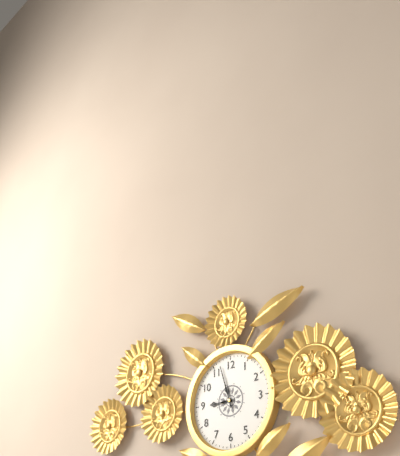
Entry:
h=8 m=57
